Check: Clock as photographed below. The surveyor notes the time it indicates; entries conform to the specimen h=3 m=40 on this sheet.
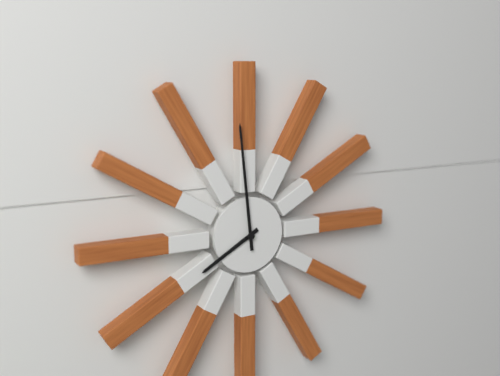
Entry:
h=7 m=59
